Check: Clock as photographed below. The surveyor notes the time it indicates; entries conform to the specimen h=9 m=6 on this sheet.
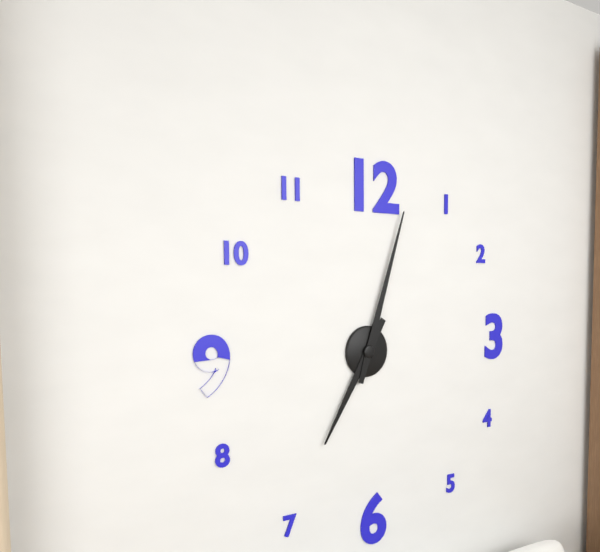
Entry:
h=7 m=3
